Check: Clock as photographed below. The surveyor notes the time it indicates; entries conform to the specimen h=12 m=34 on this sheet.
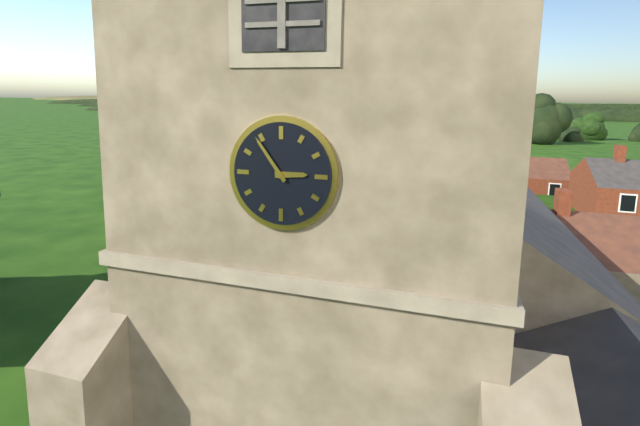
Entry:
h=2 m=54
